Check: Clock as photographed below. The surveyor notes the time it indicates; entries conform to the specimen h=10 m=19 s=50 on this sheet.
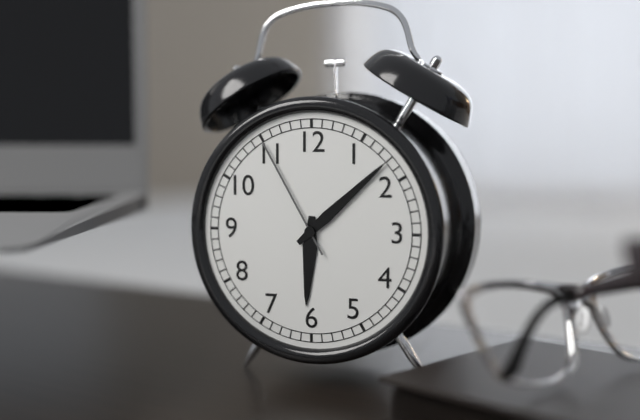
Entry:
h=6 m=8 s=55
